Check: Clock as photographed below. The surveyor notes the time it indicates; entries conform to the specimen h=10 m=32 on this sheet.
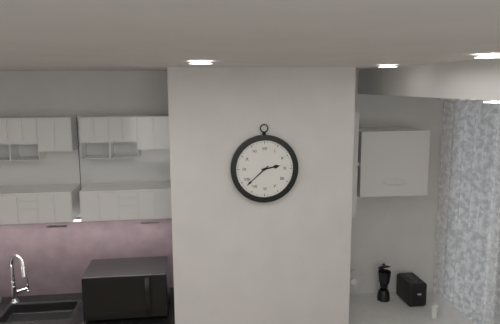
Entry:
h=2 m=38
